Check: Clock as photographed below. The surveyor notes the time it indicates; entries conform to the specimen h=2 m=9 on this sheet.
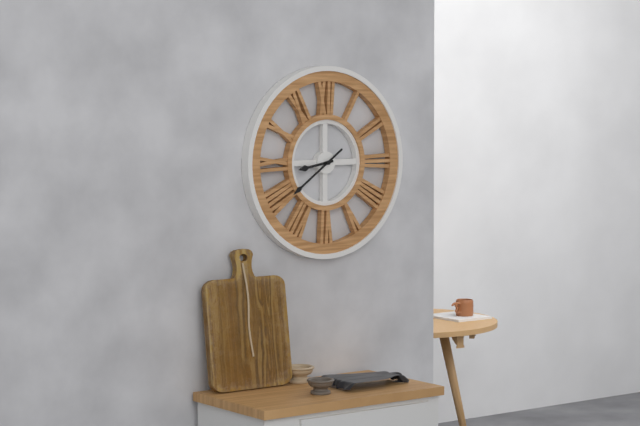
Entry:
h=8 m=39
